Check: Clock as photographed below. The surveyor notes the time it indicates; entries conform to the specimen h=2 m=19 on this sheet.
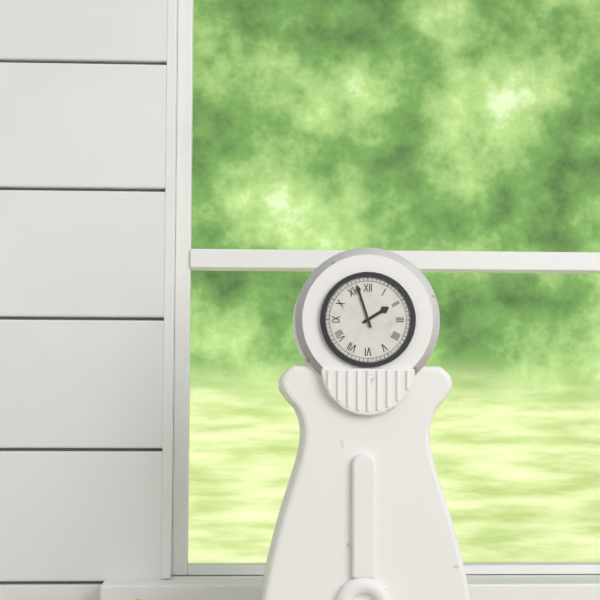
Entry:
h=1 m=57
